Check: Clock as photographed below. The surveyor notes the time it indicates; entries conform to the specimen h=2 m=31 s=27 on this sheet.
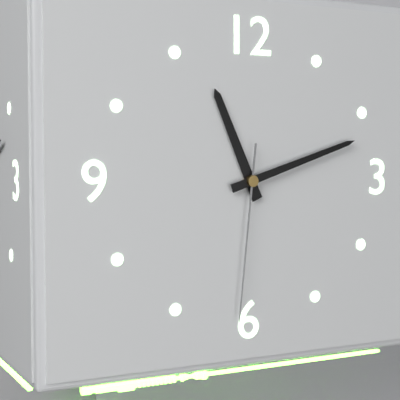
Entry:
h=11 m=12 s=31
